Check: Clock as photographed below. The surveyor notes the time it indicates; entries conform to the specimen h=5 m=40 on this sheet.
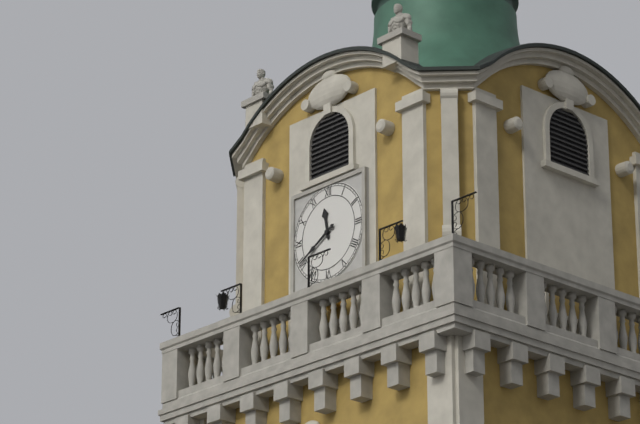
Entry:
h=11 m=40
